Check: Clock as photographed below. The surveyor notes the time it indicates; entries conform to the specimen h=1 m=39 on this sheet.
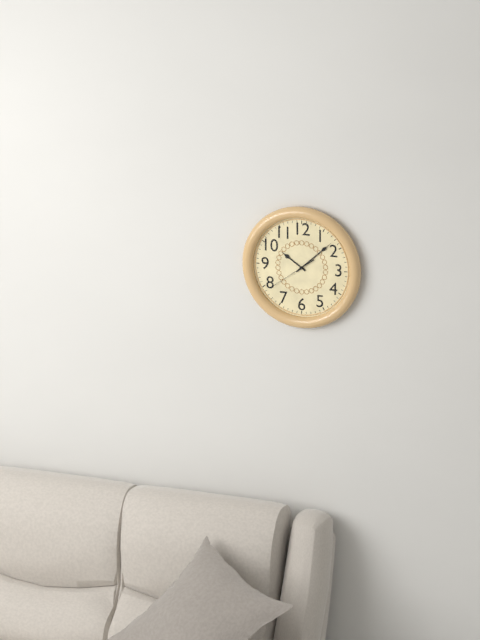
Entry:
h=10 m=8
